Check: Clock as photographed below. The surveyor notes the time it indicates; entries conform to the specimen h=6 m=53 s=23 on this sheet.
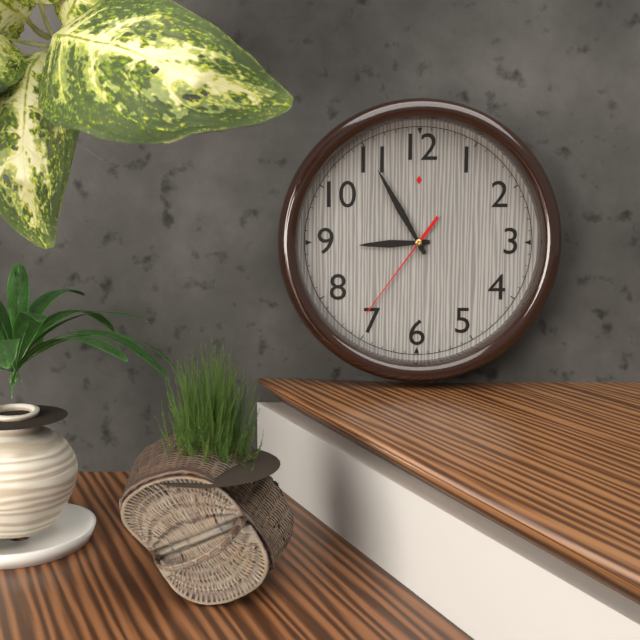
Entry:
h=8 m=55 s=36
